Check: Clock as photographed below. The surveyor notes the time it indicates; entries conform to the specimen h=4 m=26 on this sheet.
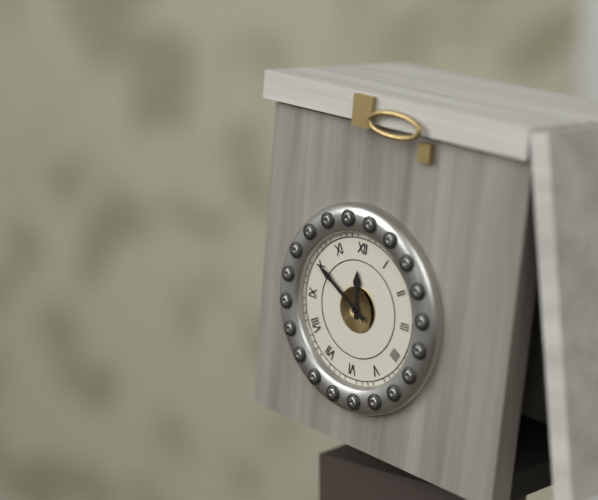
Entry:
h=11 m=50
